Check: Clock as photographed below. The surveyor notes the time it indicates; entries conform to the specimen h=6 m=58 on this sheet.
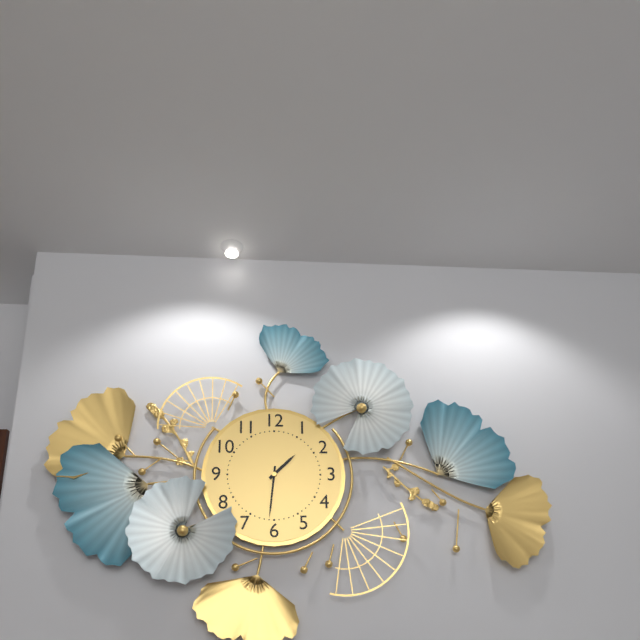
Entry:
h=1 m=31
